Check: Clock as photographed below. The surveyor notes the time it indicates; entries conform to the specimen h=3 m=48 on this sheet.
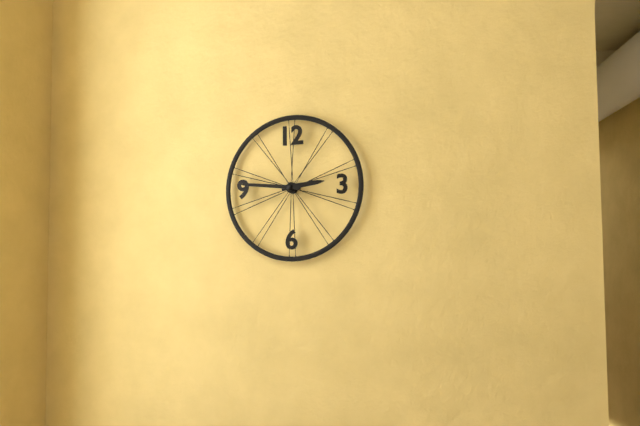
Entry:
h=2 m=46
